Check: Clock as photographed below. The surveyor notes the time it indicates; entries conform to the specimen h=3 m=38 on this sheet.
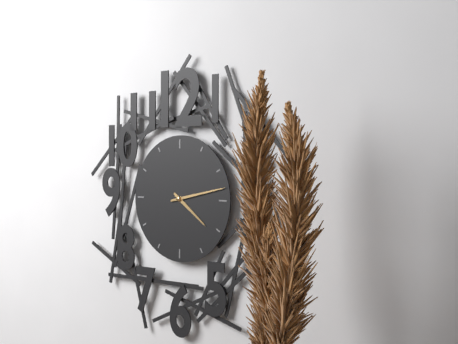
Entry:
h=4 m=13
